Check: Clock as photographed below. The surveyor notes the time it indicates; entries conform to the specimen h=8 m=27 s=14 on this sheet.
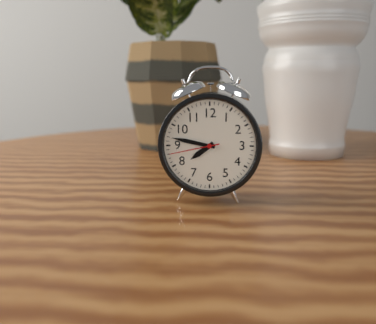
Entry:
h=7 m=47 s=43
